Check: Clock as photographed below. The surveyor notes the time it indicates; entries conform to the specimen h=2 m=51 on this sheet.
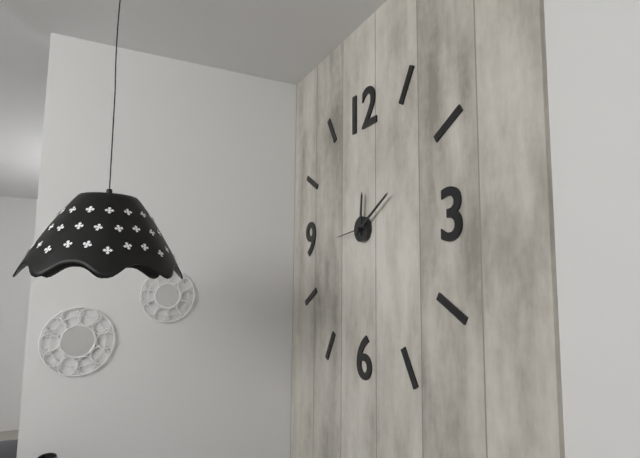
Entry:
h=12 m=10
